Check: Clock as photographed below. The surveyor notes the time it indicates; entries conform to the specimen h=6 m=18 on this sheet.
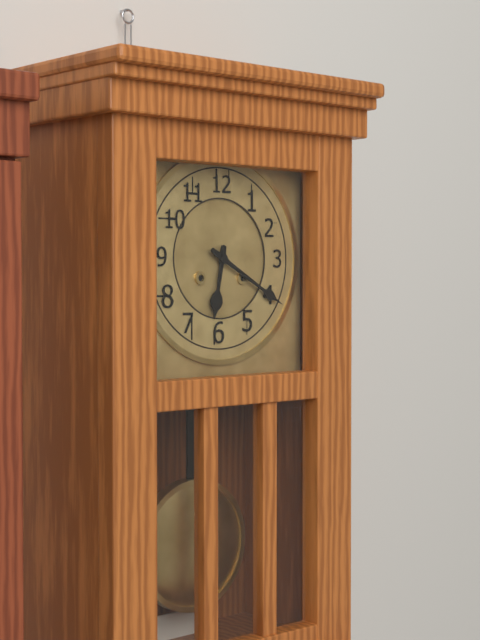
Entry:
h=6 m=20
